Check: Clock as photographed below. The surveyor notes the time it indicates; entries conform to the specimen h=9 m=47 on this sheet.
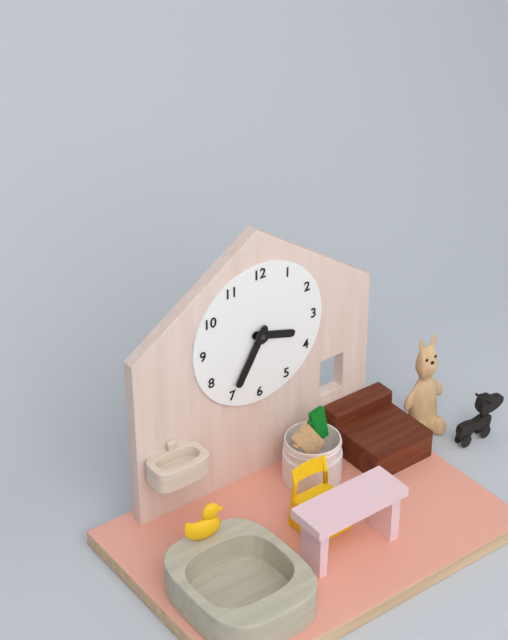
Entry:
h=3 m=35
